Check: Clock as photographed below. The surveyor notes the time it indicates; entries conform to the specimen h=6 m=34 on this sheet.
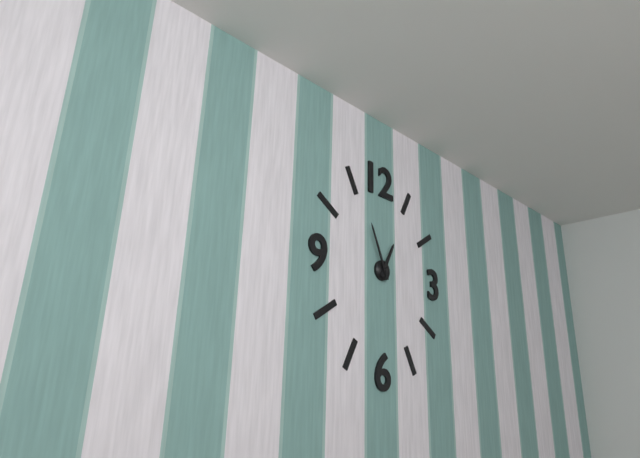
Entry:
h=12 m=56
